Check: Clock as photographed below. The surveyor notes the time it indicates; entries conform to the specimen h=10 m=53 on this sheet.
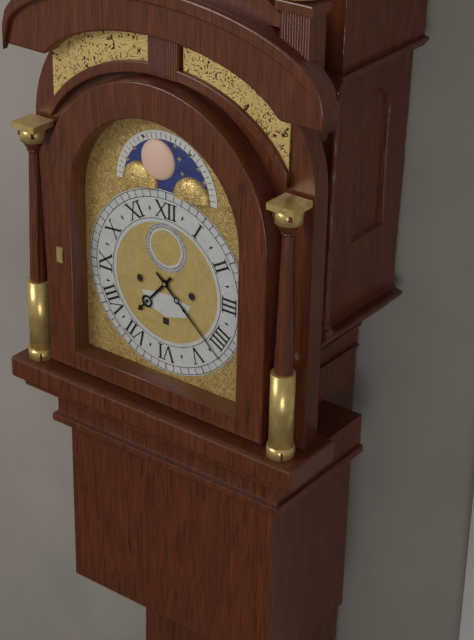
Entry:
h=7 m=22
